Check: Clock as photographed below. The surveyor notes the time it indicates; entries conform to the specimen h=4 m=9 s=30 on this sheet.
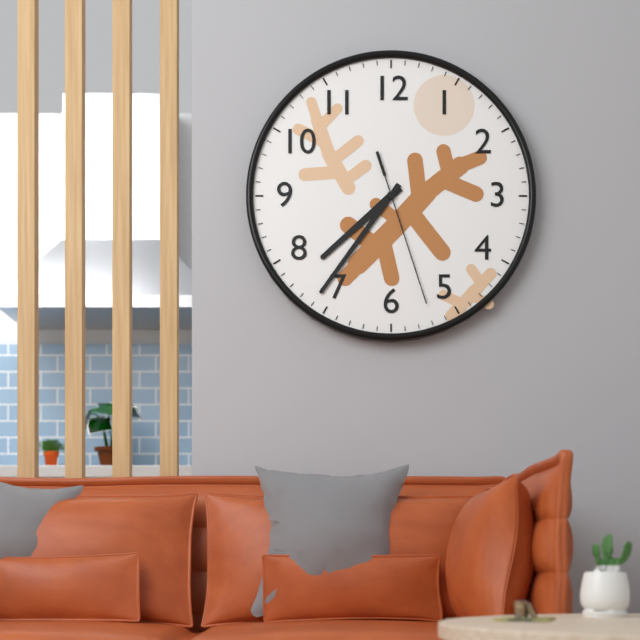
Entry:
h=7 m=36 s=27
